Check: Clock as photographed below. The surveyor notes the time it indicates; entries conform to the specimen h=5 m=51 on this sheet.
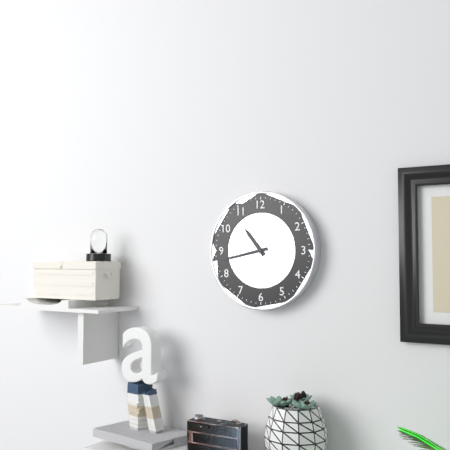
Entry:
h=10 m=43
